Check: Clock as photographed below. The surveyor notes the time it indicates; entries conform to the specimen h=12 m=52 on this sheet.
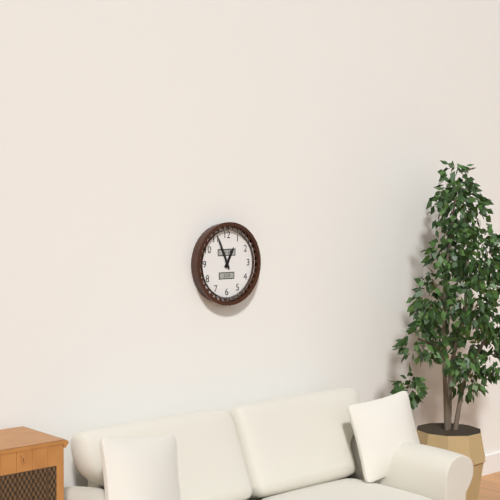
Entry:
h=12 m=56
